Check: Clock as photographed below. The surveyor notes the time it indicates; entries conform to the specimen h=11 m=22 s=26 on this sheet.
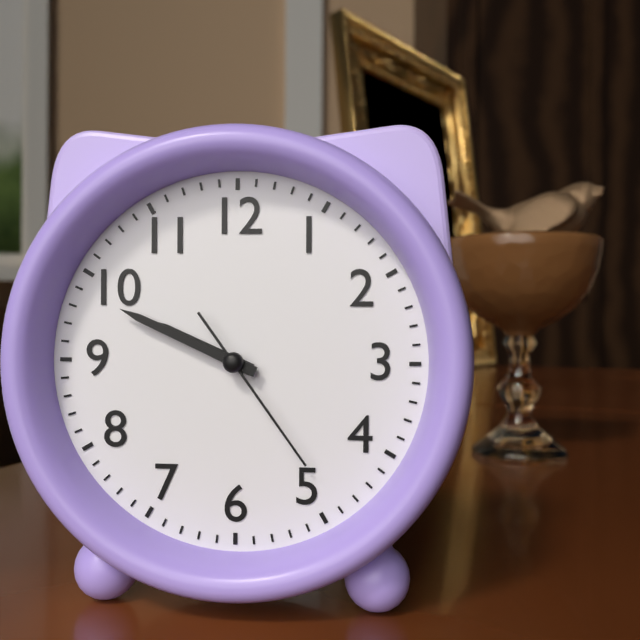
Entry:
h=9 m=49 s=24
